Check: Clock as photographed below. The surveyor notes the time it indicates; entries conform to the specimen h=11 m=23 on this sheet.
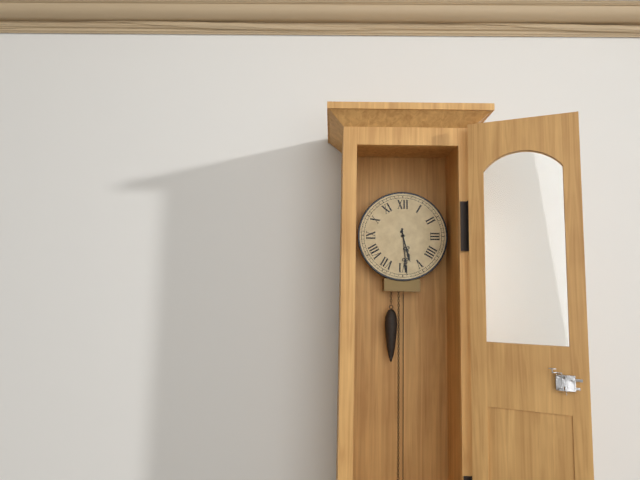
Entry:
h=5 m=29
